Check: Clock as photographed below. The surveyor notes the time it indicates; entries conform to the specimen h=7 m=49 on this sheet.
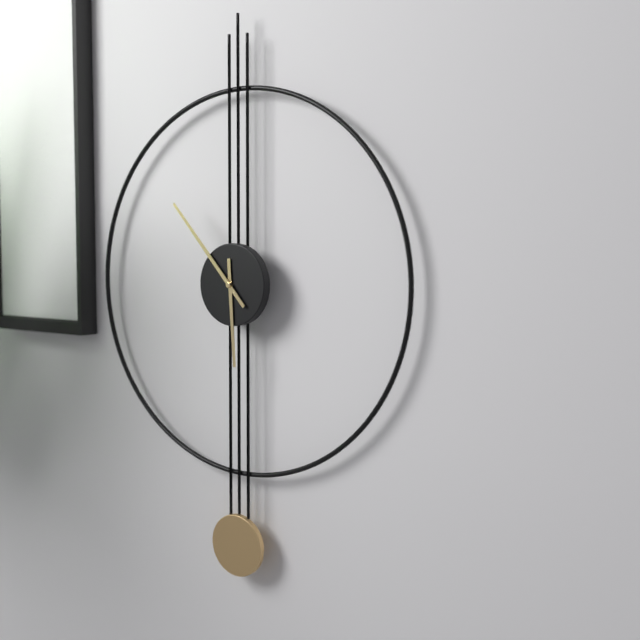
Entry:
h=5 m=53
